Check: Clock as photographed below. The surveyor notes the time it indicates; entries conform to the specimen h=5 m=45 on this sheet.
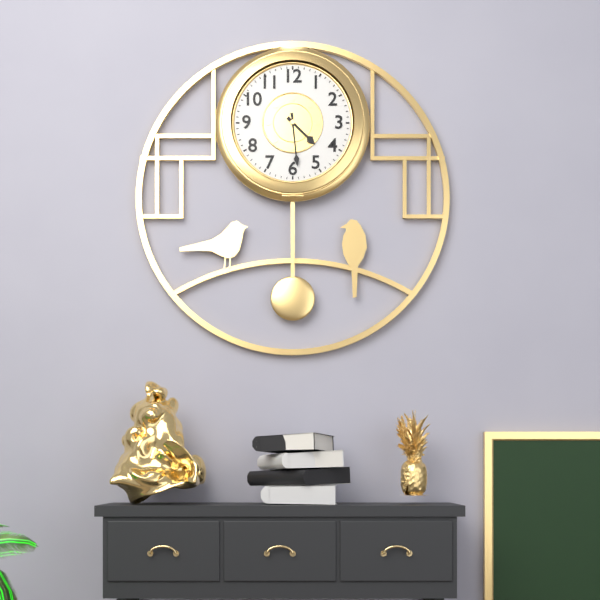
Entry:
h=4 m=29
